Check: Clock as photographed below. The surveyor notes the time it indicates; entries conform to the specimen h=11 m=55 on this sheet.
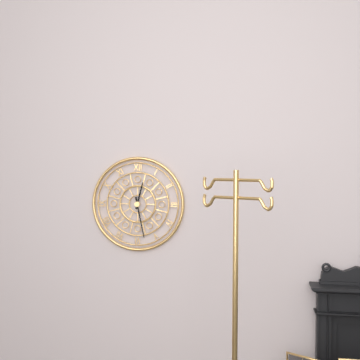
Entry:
h=12 m=28
